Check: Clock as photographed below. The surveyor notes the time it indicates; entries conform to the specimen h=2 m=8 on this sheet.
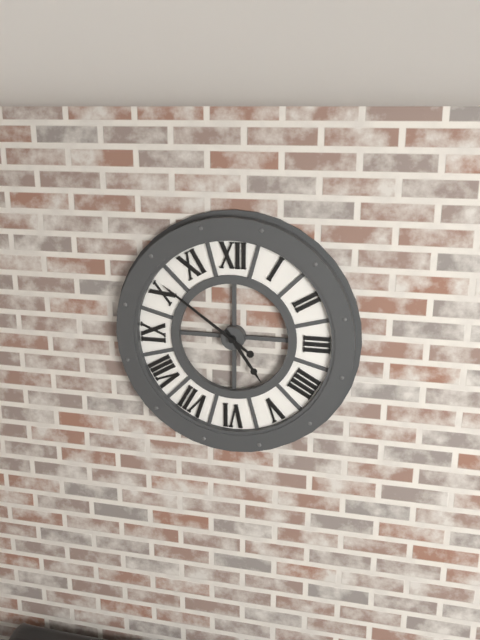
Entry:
h=4 m=51
